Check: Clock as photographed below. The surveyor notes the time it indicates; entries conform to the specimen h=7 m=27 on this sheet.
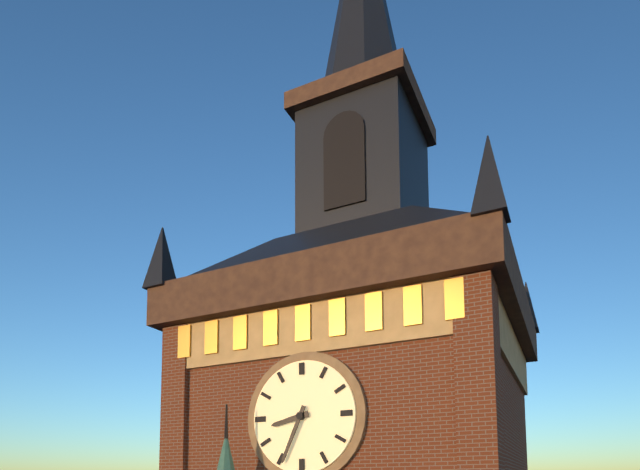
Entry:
h=8 m=34
